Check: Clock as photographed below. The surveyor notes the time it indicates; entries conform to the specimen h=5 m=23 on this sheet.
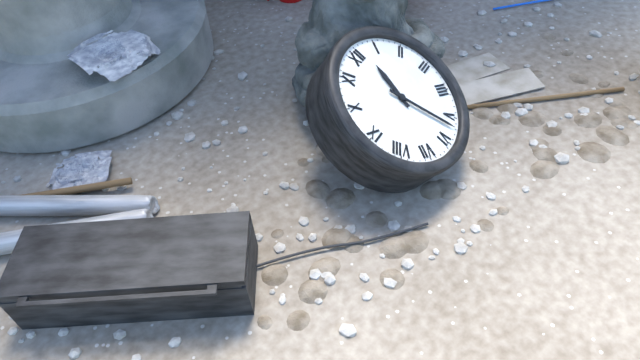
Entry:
h=12 m=27
